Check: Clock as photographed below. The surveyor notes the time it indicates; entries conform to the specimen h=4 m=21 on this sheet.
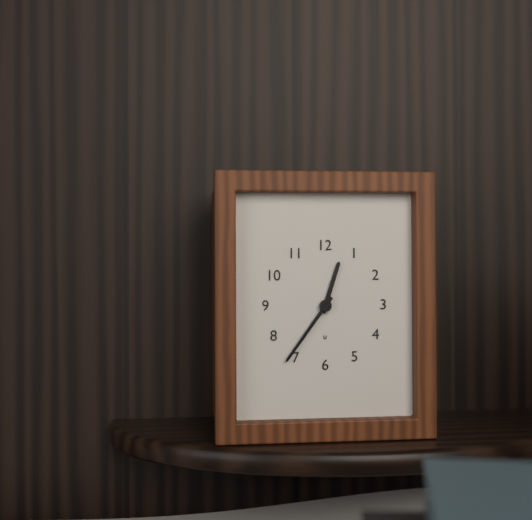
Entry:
h=12 m=36
